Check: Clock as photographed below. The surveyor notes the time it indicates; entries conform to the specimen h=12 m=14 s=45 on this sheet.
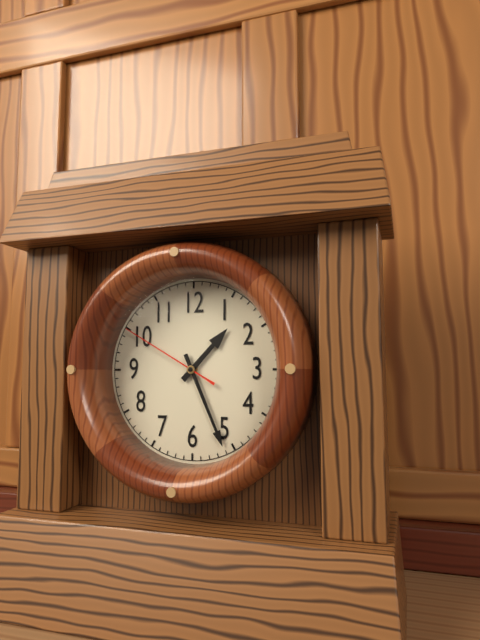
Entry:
h=1 m=26 s=50
